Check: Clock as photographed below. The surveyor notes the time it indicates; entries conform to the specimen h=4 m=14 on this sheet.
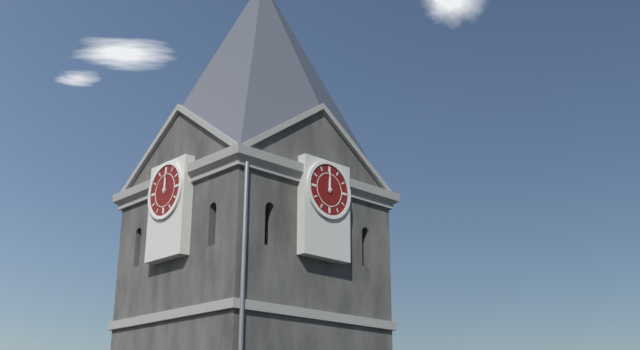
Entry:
h=12 m=0
